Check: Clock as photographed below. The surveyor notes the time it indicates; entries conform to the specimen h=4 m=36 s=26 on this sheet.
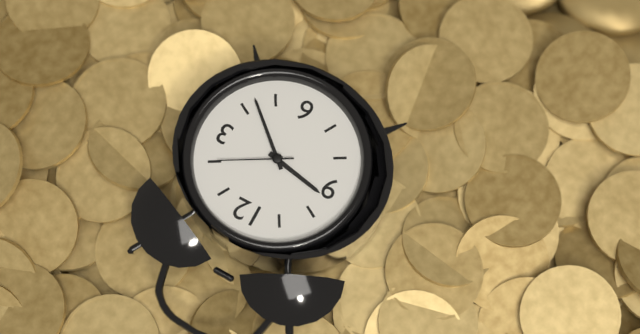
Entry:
h=9 m=22 s=10
